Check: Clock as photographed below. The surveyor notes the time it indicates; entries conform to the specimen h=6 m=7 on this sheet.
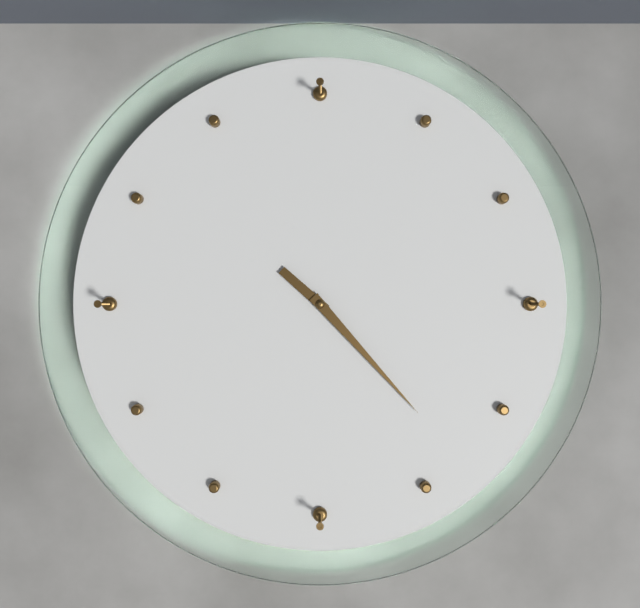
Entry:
h=10 m=23
